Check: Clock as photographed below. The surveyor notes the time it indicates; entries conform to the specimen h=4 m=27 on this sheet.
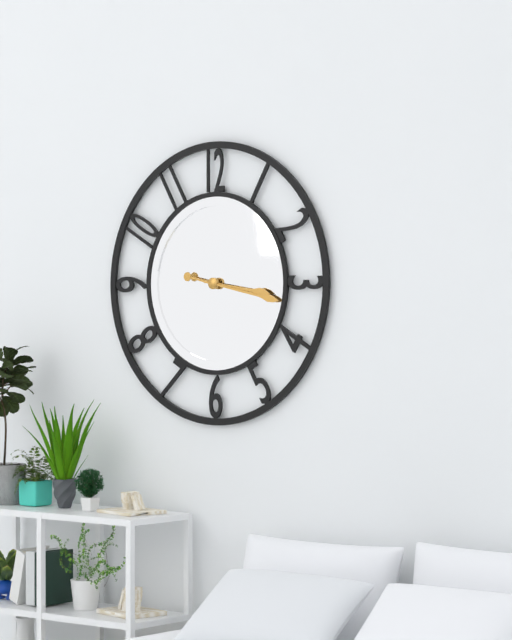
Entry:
h=3 m=17
